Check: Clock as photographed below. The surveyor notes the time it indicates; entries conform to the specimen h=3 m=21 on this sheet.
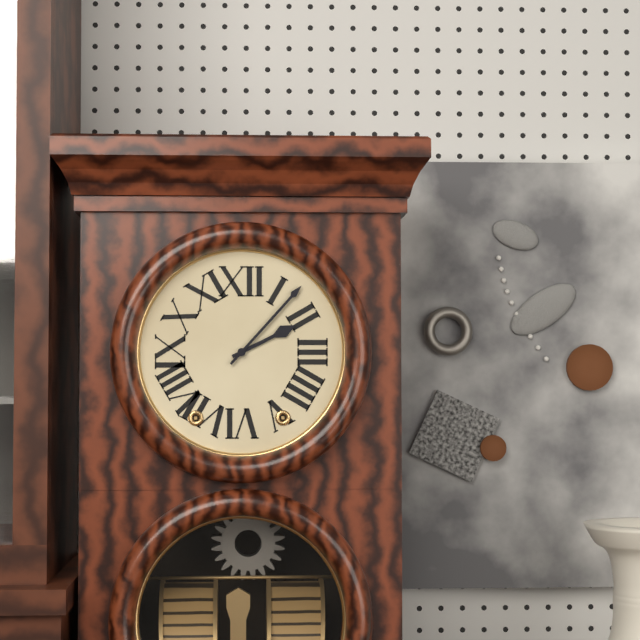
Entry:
h=2 m=7
